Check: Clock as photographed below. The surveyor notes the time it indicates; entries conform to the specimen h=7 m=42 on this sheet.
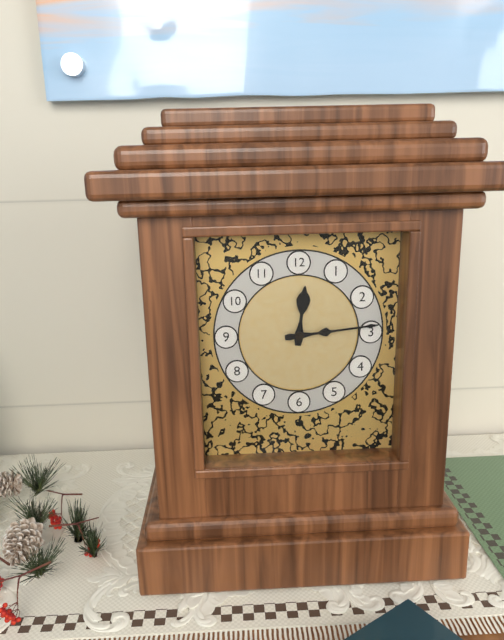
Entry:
h=12 m=14
